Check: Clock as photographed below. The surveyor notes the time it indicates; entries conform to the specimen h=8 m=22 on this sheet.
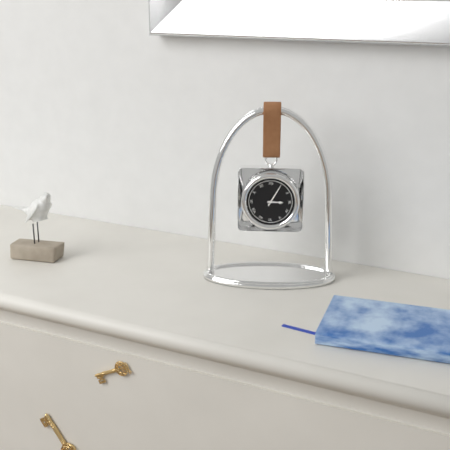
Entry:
h=3 m=5
